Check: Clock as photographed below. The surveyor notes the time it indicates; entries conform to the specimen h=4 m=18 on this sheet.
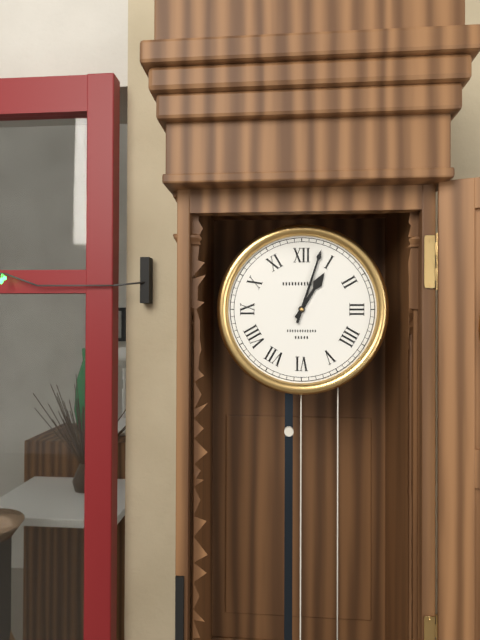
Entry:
h=1 m=3
